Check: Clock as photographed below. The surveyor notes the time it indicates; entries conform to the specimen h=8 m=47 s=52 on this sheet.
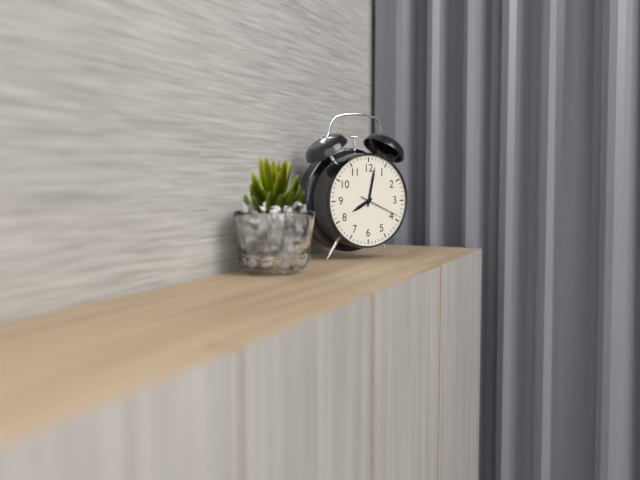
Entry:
h=8 m=2 s=19
